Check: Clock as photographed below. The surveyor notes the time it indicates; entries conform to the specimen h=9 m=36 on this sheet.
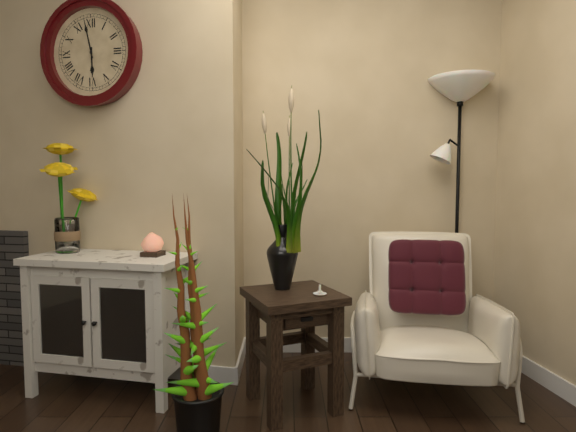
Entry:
h=5 m=58
